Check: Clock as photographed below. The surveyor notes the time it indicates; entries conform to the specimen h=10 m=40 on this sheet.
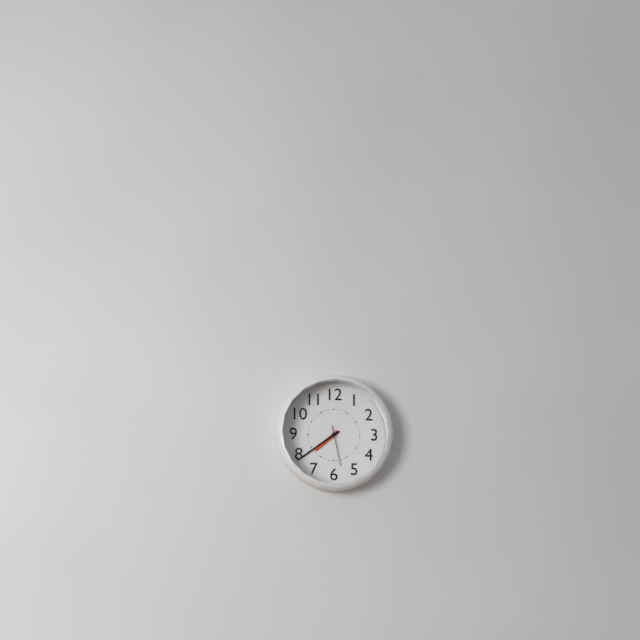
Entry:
h=7 m=39
